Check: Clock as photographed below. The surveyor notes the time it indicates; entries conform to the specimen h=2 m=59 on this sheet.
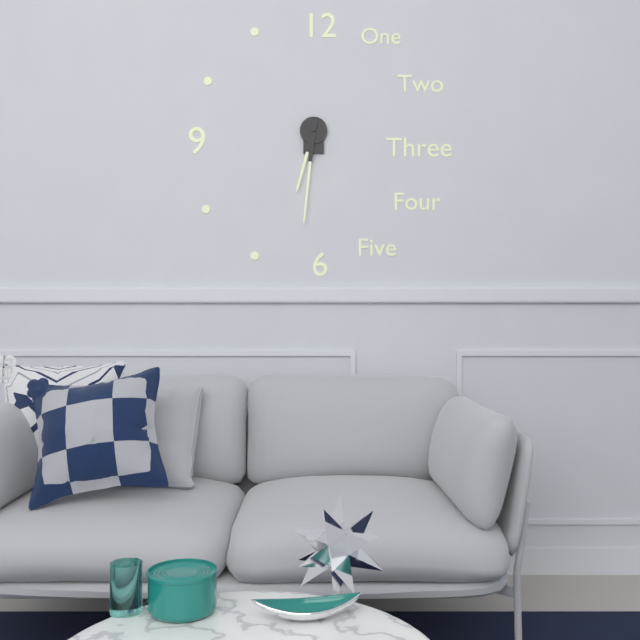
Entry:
h=6 m=31
